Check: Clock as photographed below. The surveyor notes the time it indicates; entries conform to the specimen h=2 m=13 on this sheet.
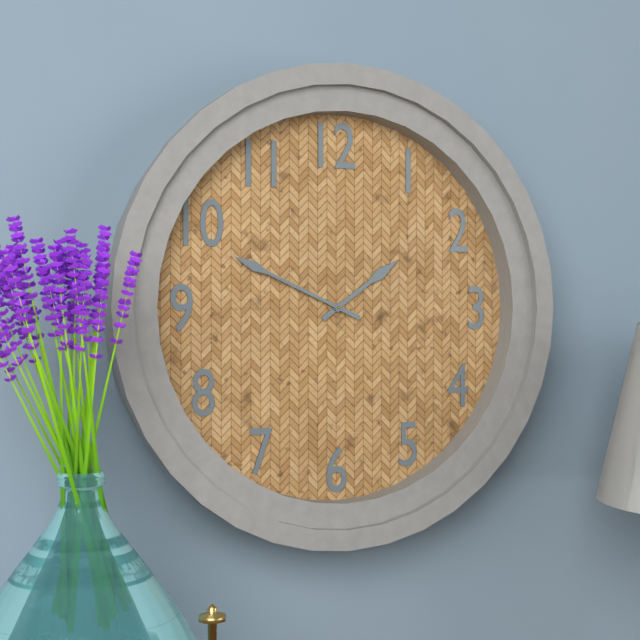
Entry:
h=1 m=49
